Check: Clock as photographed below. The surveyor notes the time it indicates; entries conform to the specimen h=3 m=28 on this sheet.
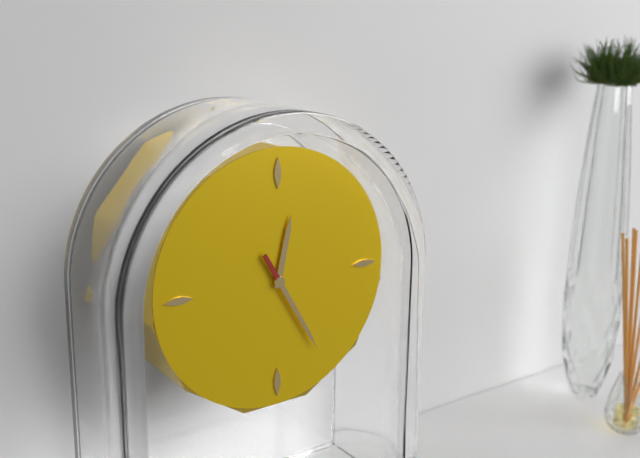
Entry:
h=12 m=25
